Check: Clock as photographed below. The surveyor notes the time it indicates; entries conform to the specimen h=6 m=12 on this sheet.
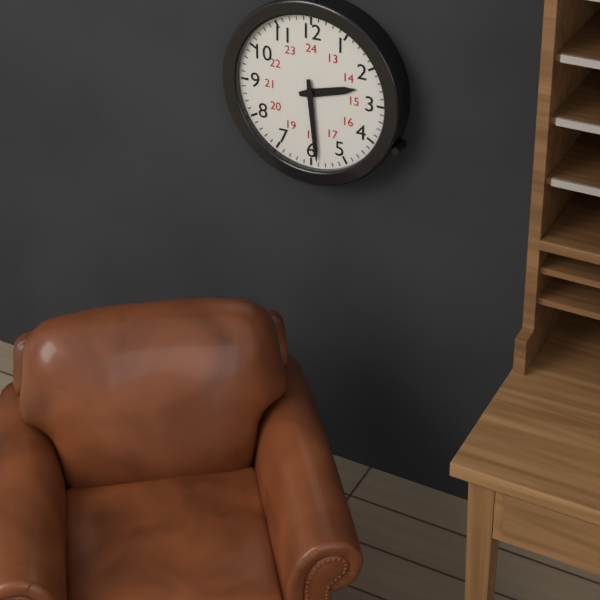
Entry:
h=2 m=29
